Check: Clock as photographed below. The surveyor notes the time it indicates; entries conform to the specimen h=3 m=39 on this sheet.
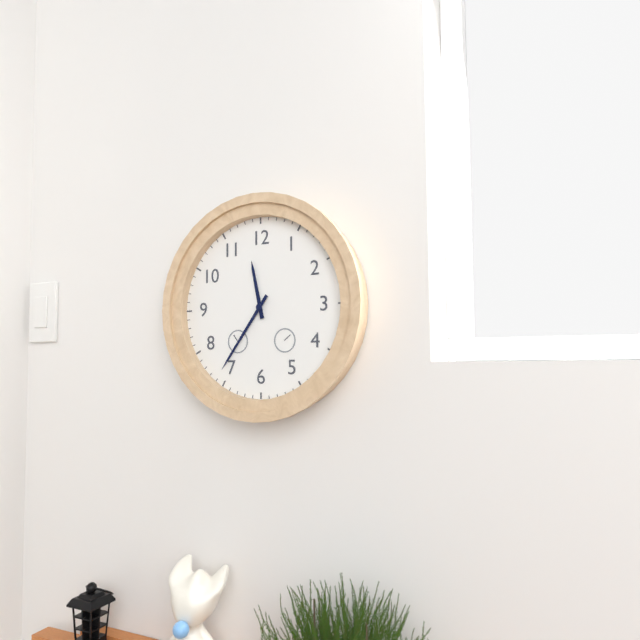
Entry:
h=11 m=36
